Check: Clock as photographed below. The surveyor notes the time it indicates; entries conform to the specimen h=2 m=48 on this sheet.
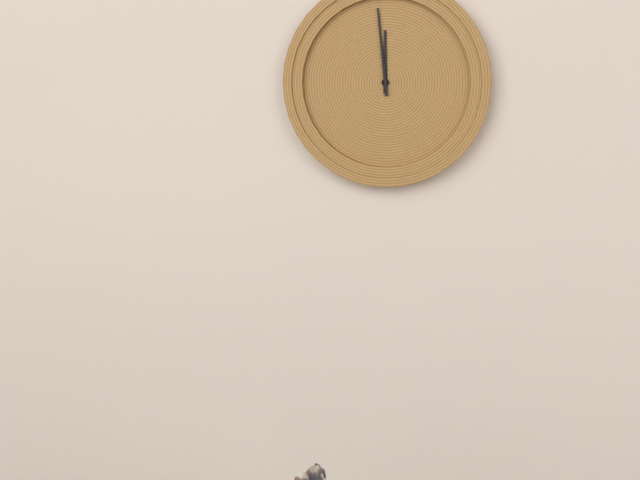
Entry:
h=11 m=59
